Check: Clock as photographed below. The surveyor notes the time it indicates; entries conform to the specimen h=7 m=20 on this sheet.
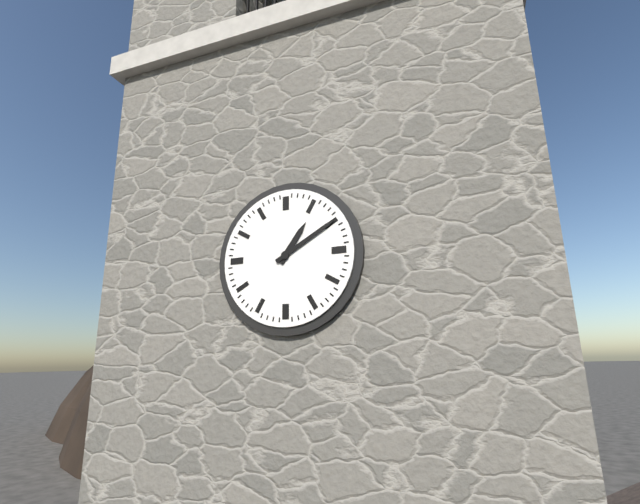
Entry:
h=1 m=10
